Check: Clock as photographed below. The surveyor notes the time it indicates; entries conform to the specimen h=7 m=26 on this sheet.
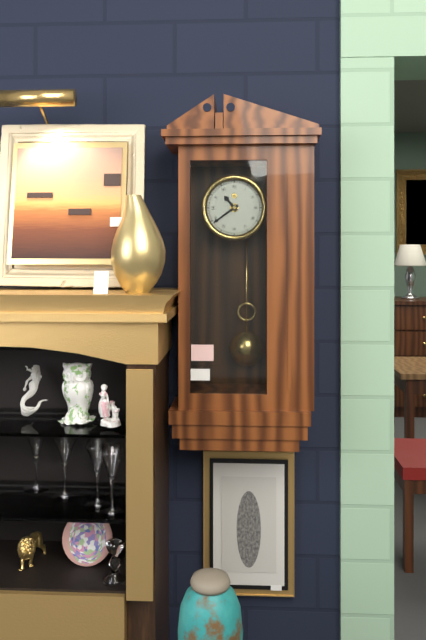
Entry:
h=10 m=39
